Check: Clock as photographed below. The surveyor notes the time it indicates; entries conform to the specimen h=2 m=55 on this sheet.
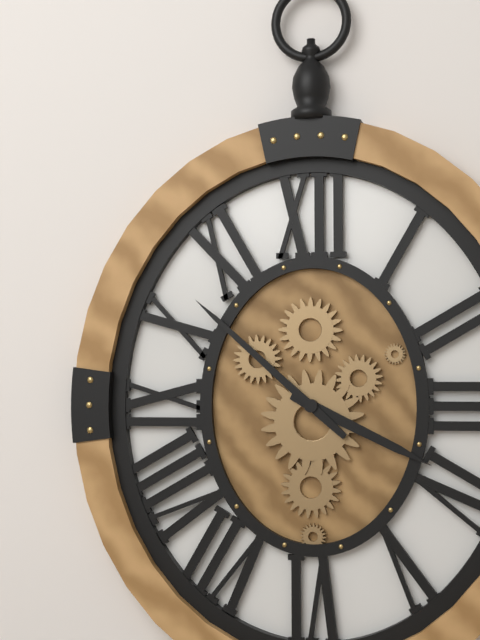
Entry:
h=3 m=52
